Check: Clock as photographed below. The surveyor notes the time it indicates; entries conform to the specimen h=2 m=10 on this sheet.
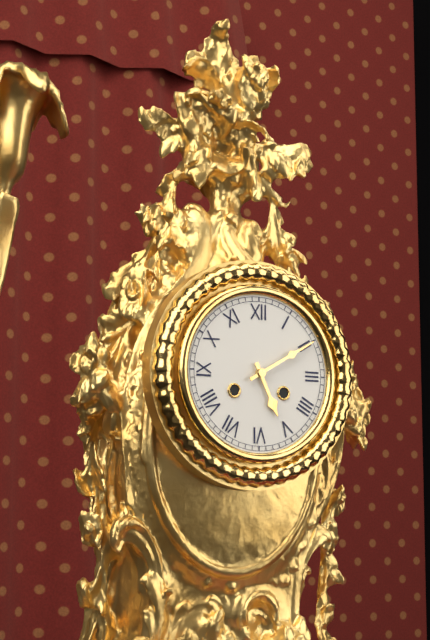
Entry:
h=5 m=10
